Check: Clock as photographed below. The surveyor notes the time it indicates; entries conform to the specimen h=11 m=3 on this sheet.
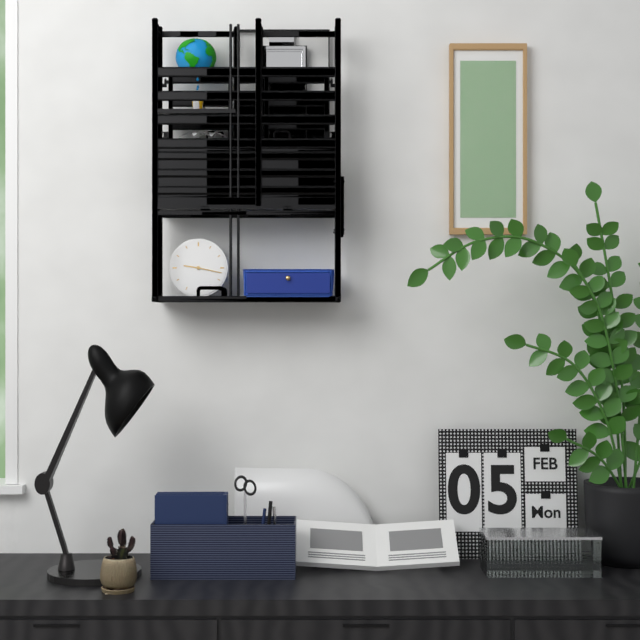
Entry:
h=9 m=17
